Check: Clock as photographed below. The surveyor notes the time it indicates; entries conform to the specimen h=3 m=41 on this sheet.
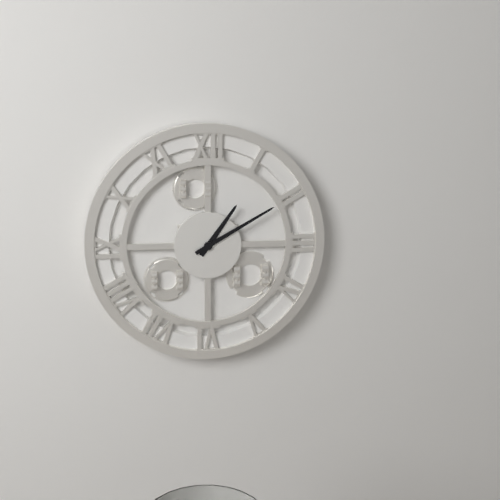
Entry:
h=1 m=10
